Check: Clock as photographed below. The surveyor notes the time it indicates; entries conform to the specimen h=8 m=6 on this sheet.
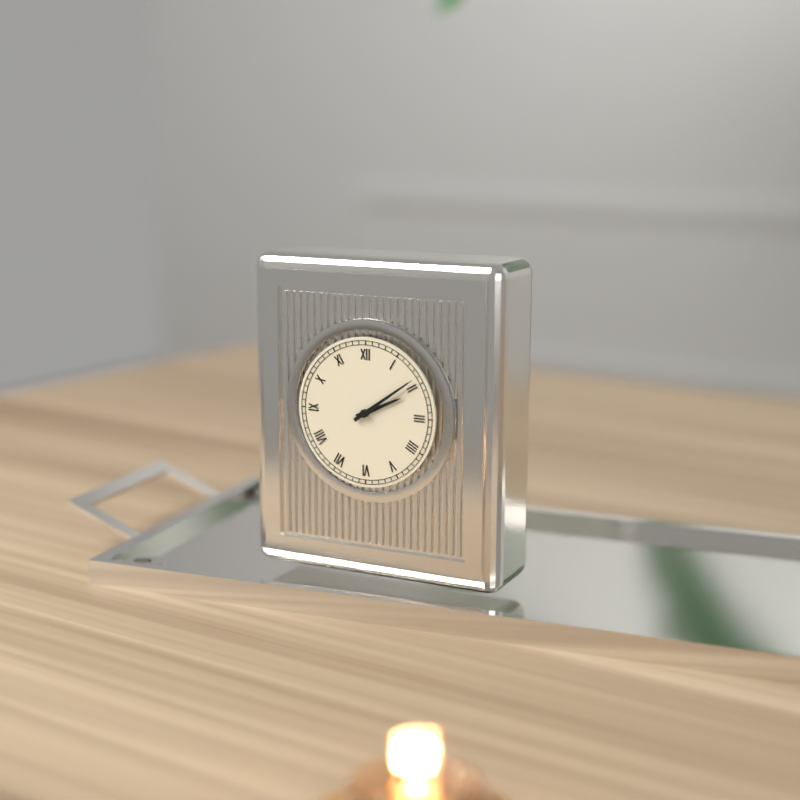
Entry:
h=2 m=9
